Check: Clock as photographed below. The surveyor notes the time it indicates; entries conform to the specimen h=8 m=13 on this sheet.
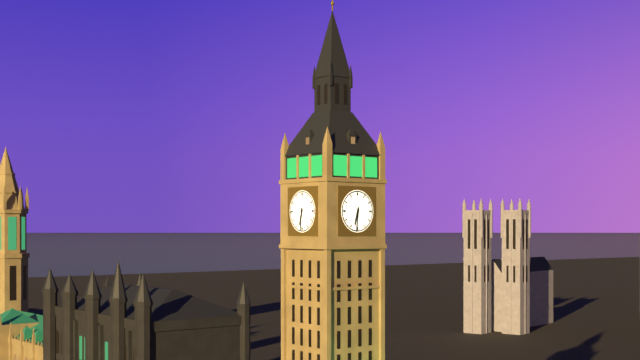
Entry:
h=6 m=31
